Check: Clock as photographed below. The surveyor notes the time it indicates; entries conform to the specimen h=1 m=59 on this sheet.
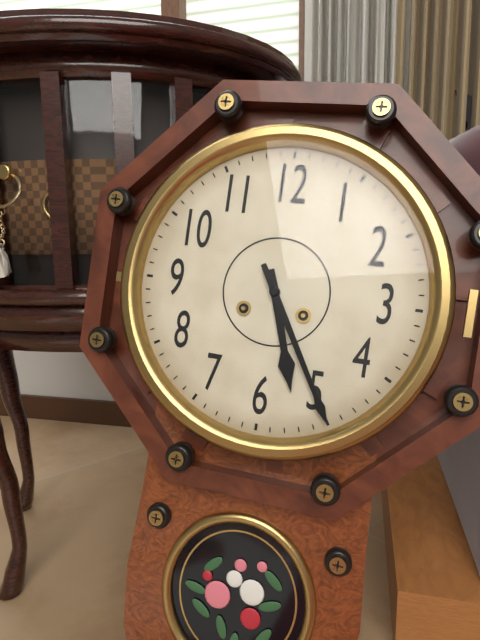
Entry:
h=5 m=25
